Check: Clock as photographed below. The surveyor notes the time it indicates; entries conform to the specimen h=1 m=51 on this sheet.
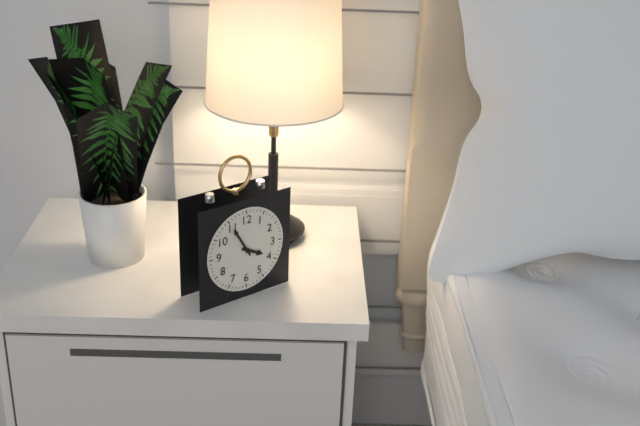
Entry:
h=3 m=55
